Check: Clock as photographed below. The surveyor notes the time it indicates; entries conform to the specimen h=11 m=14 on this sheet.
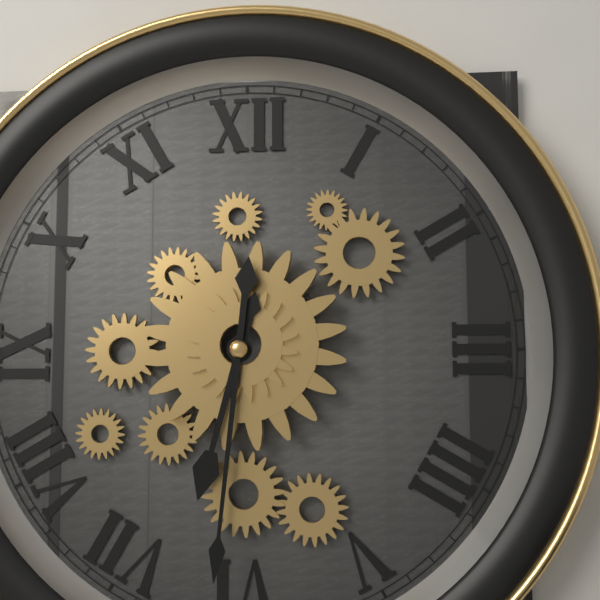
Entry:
h=6 m=31
